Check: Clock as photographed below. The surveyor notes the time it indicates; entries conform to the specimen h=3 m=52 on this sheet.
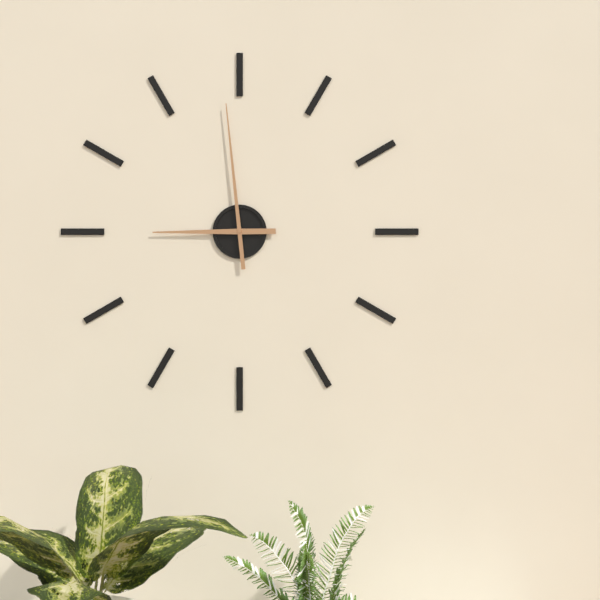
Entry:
h=8 m=59
